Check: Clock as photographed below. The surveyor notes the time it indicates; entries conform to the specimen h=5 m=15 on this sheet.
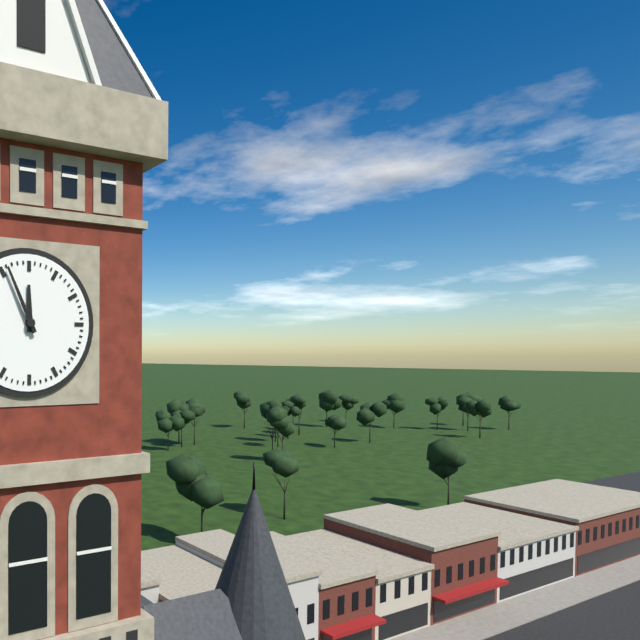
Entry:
h=11 m=56
